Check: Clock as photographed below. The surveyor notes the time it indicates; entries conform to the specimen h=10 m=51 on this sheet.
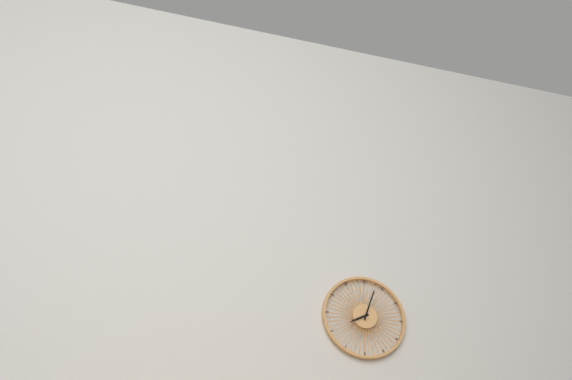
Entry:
h=8 m=3
